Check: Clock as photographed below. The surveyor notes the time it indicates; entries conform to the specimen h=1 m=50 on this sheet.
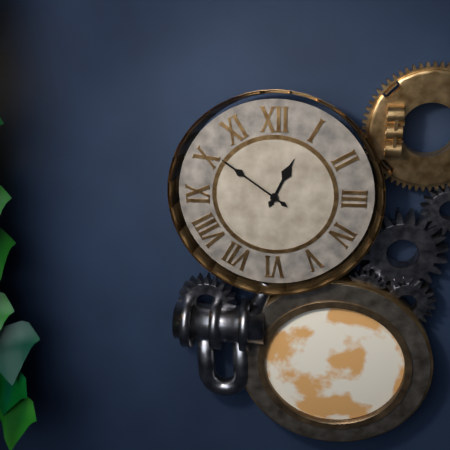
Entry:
h=12 m=51
